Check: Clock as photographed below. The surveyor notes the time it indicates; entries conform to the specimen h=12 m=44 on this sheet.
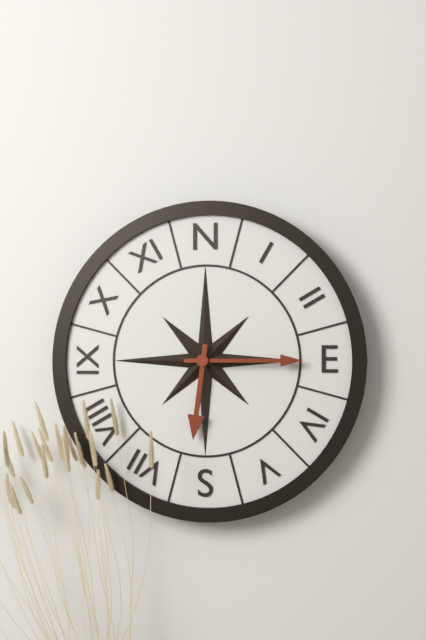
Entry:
h=6 m=15
